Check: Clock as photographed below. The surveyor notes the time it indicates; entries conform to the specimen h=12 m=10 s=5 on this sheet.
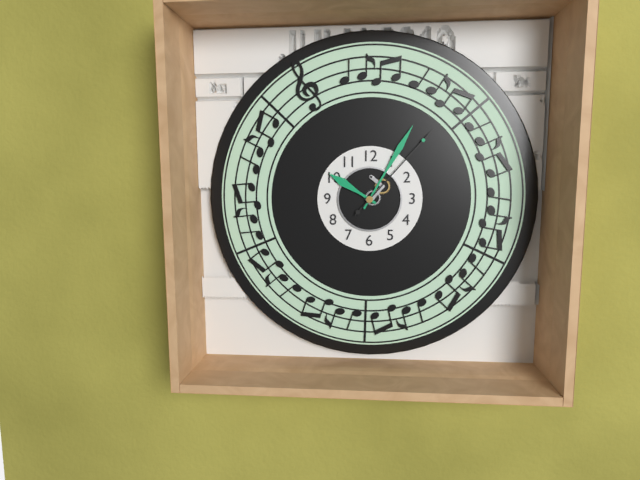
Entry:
h=10 m=5 s=7
